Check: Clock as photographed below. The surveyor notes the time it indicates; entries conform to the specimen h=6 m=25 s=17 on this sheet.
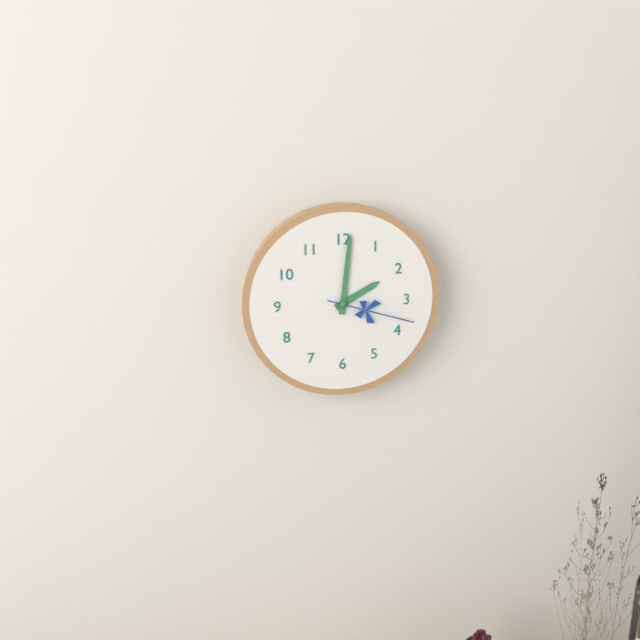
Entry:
h=2 m=1 s=18
